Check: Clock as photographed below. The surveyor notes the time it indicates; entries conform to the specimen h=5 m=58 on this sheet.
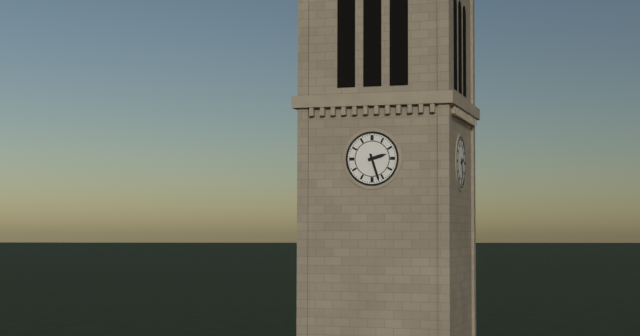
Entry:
h=2 m=27
